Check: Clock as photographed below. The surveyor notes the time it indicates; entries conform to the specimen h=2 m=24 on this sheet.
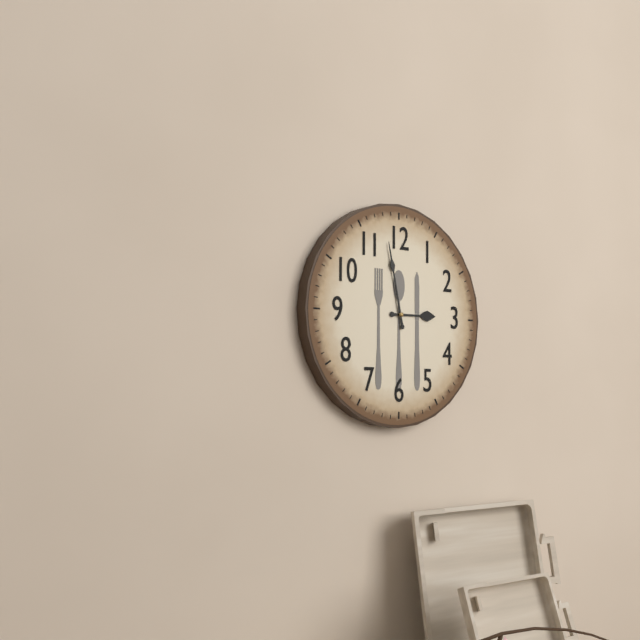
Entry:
h=2 m=58
